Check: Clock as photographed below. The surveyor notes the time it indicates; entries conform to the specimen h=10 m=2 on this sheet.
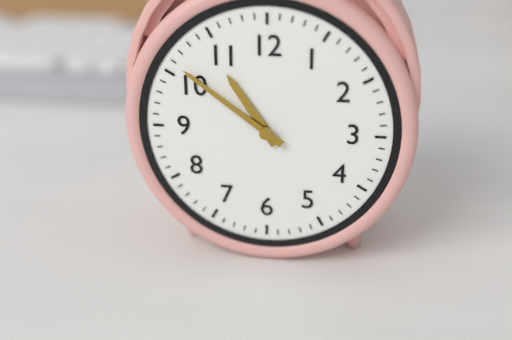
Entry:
h=10 m=51
